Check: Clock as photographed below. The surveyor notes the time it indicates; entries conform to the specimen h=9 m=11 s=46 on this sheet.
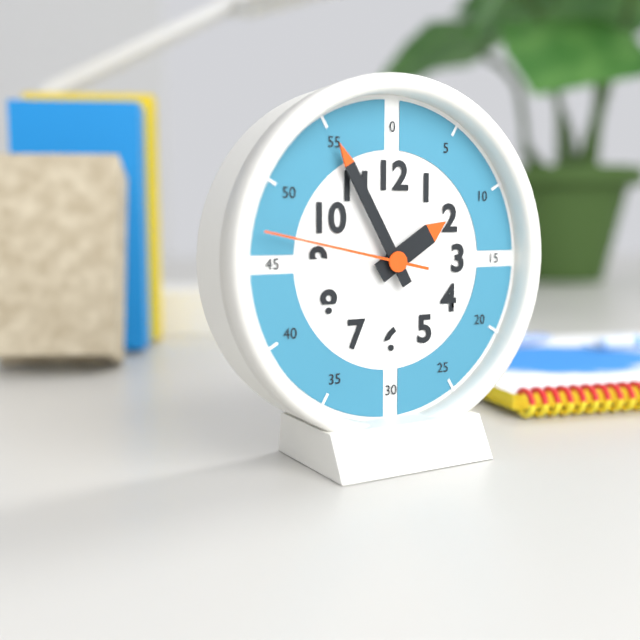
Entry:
h=1 m=55 s=47
